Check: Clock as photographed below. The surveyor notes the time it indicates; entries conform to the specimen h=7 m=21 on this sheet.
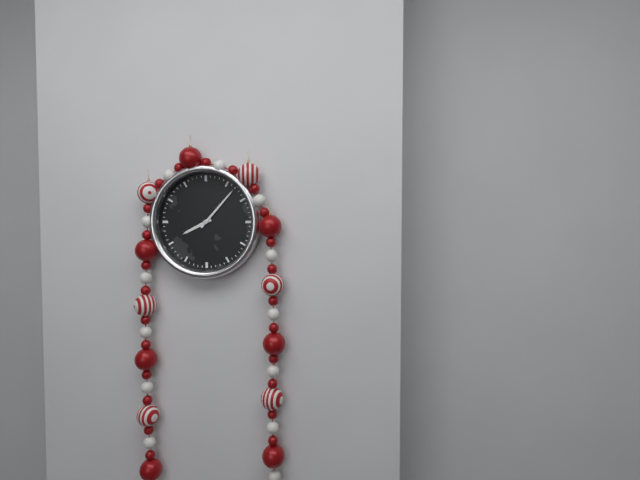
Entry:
h=8 m=7
